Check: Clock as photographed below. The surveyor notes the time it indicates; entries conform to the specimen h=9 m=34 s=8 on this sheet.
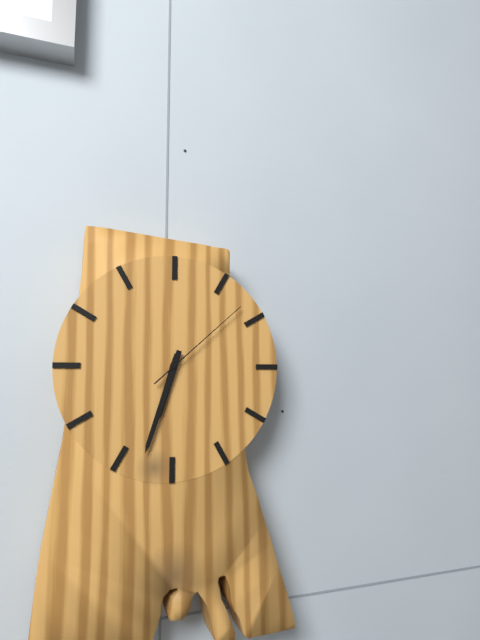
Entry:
h=6 m=33 s=8
